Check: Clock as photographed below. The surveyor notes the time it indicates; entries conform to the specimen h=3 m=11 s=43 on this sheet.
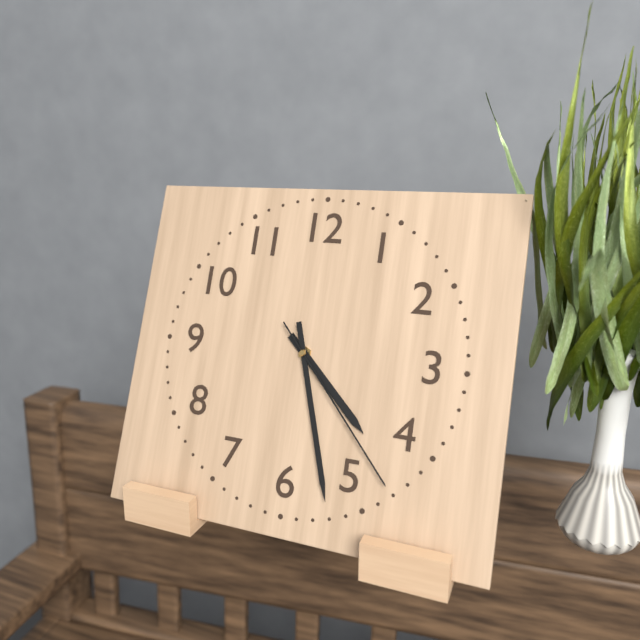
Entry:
h=4 m=27 s=23
